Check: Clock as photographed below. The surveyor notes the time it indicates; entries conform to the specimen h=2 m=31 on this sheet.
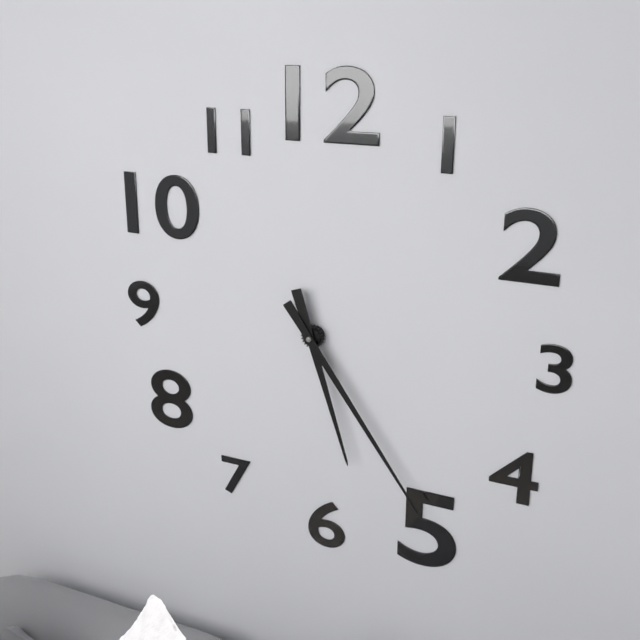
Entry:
h=5 m=24
